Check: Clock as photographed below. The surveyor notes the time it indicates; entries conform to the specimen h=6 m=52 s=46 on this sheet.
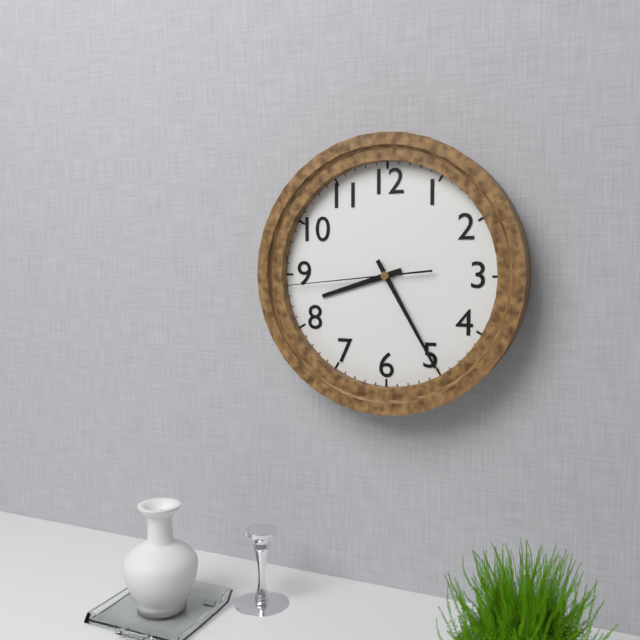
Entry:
h=8 m=25 s=44
